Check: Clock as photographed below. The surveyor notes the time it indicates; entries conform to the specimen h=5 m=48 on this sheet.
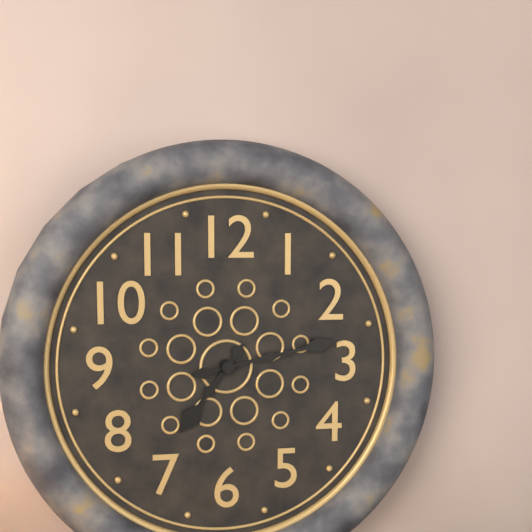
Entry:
h=7 m=13
